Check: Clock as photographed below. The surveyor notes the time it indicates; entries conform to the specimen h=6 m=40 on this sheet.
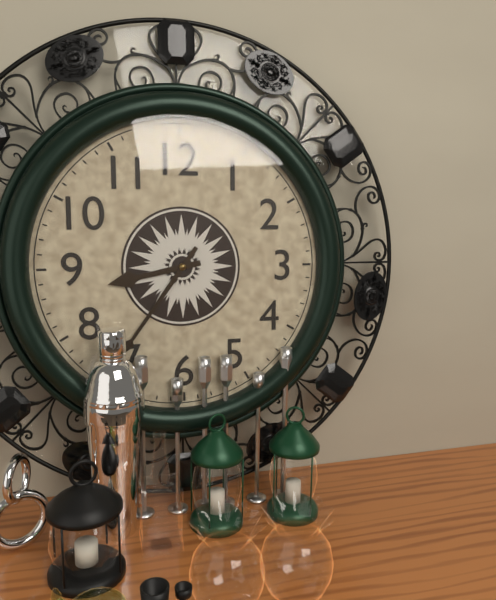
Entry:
h=8 m=36
